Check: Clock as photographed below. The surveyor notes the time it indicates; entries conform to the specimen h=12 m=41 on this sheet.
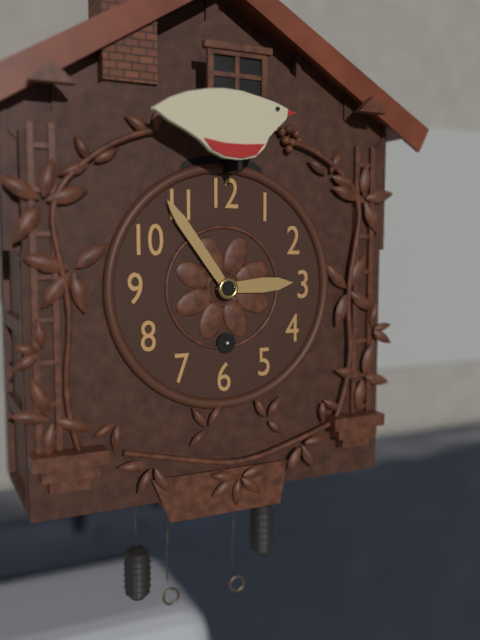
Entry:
h=2 m=54
